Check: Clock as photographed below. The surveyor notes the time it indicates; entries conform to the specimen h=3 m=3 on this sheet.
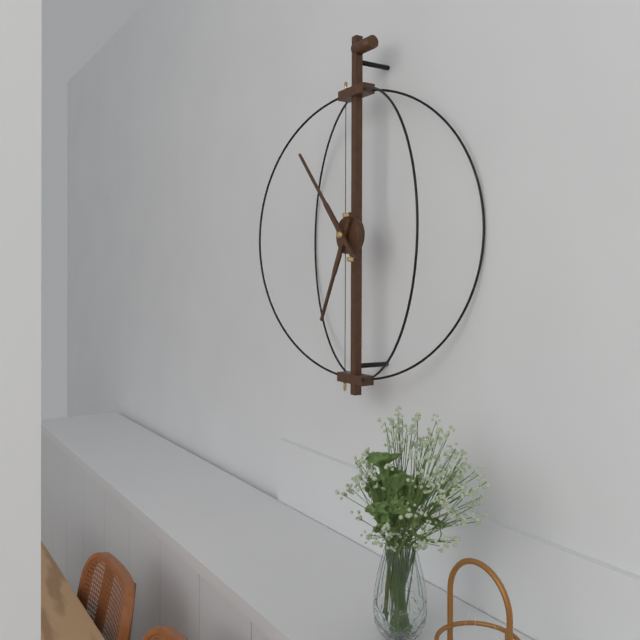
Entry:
h=6 m=53
